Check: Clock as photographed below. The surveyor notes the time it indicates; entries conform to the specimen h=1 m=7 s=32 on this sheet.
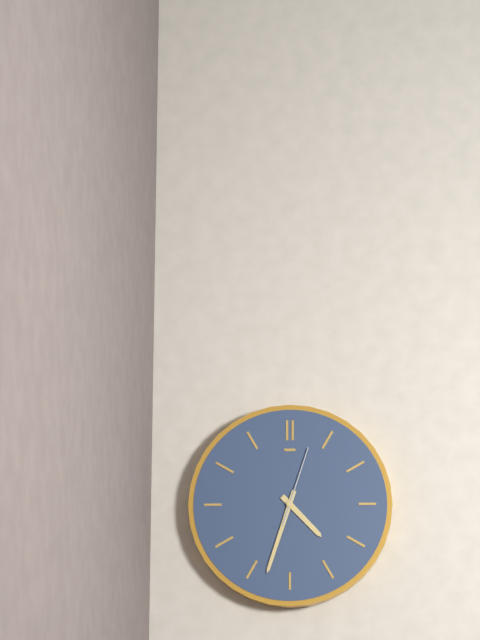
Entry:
h=4 m=33 s=3
